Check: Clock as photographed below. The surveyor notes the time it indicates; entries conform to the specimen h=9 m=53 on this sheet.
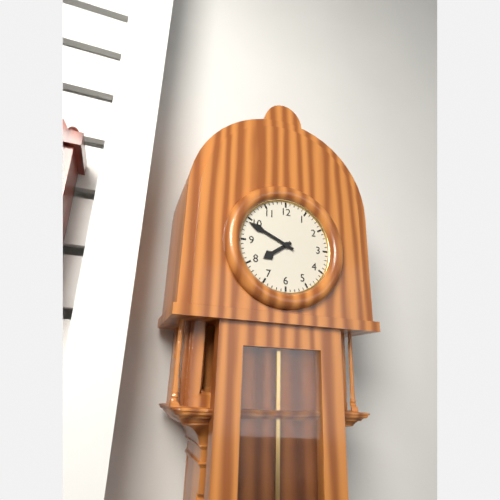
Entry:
h=7 m=49
